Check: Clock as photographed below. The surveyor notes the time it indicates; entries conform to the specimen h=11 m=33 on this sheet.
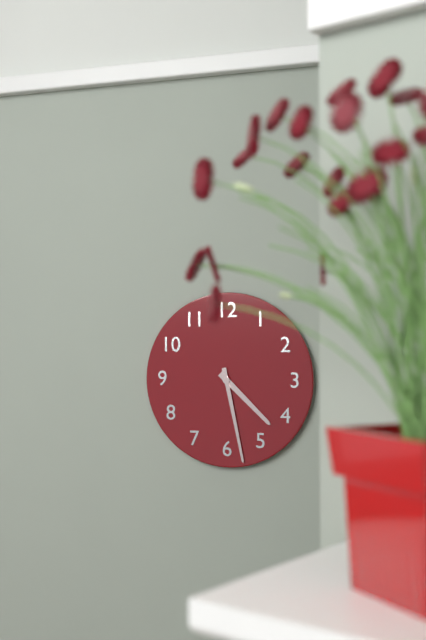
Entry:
h=4 m=28
